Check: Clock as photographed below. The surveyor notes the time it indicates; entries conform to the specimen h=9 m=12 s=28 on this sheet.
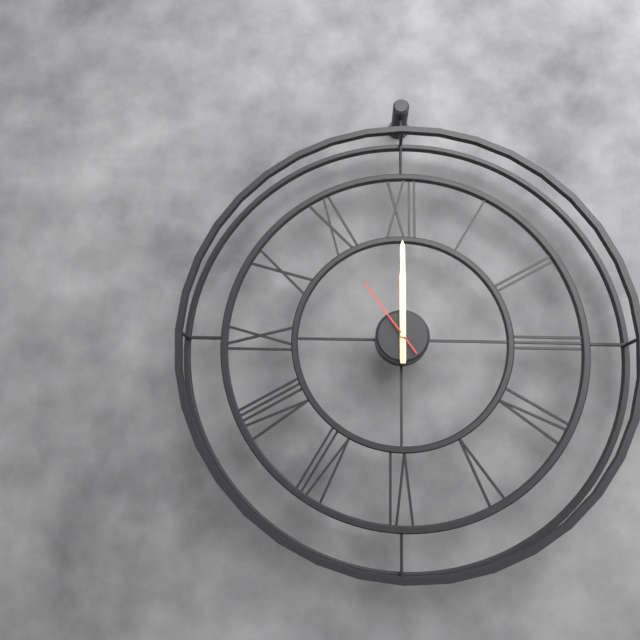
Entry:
h=12 m=0 s=54
